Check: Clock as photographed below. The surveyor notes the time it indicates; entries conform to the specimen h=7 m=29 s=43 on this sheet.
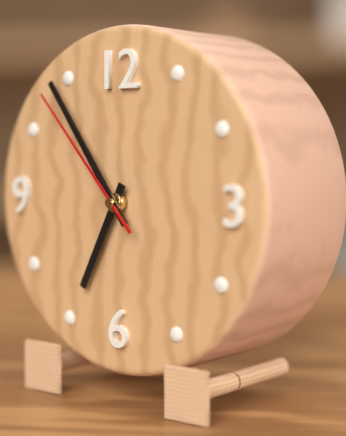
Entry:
h=6 m=54 s=53
